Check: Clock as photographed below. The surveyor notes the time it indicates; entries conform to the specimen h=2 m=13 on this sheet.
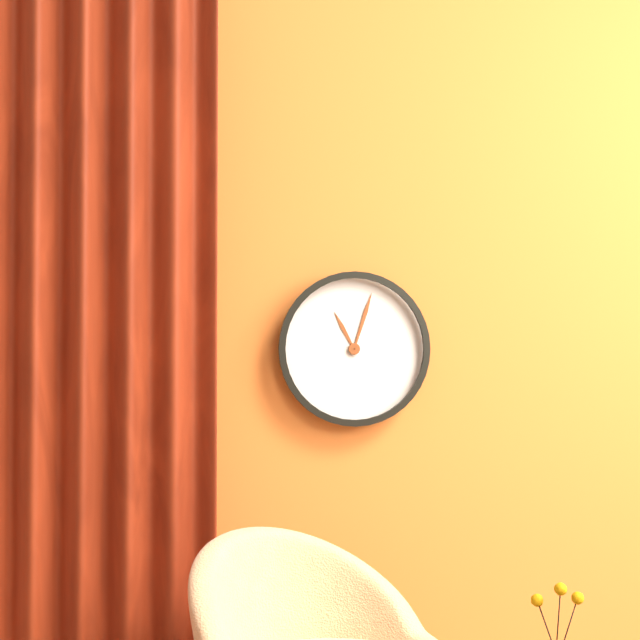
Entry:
h=11 m=3
